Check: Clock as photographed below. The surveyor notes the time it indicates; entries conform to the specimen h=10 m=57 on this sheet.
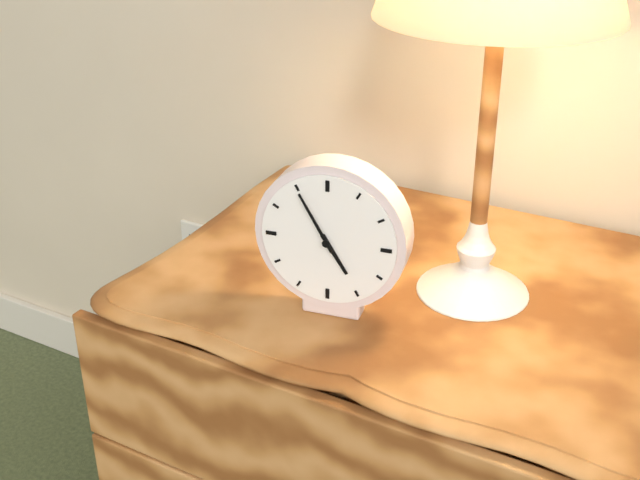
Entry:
h=4 m=55
